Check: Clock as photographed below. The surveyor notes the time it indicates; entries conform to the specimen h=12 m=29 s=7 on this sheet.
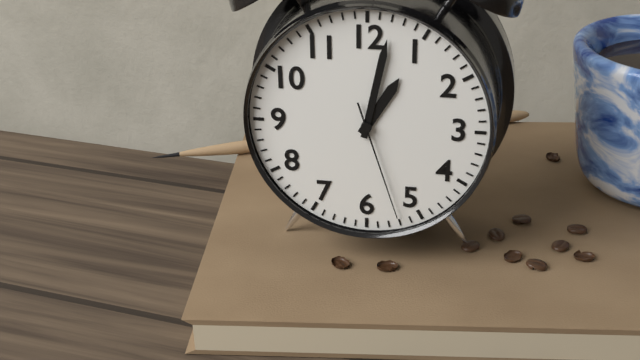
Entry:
h=1 m=2 s=27
